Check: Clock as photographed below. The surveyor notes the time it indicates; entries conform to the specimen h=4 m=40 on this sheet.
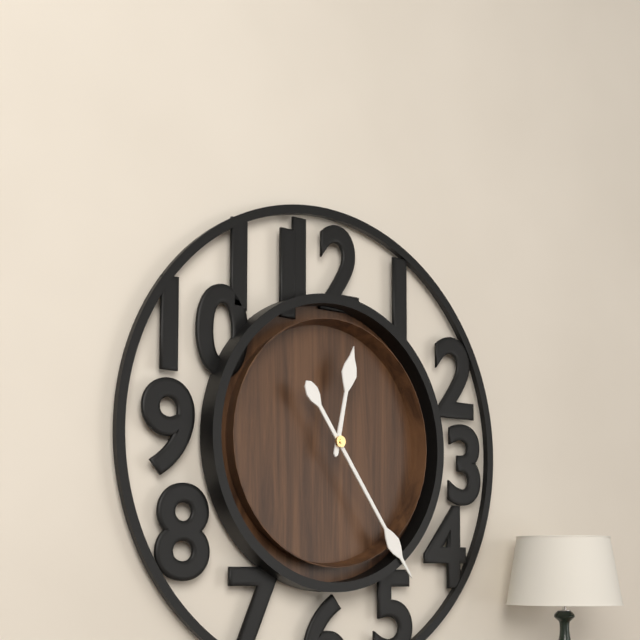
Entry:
h=12 m=24
